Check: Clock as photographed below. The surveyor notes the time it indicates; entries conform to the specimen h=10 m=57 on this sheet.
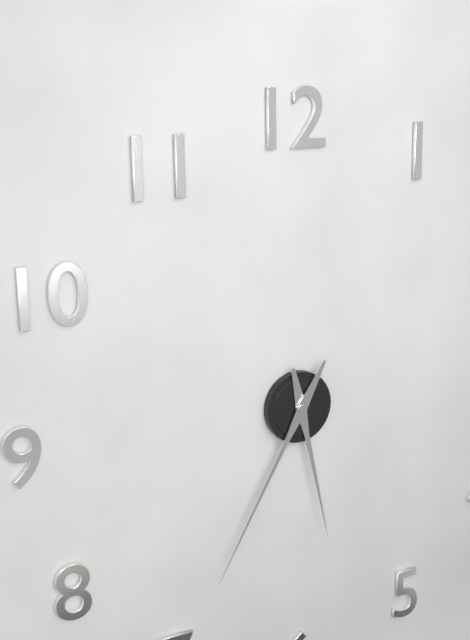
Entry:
h=5 m=35
